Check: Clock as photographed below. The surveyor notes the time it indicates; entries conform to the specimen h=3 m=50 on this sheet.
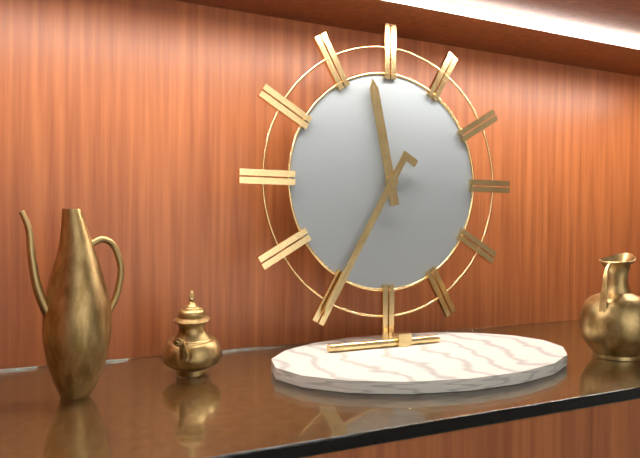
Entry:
h=11 m=35
